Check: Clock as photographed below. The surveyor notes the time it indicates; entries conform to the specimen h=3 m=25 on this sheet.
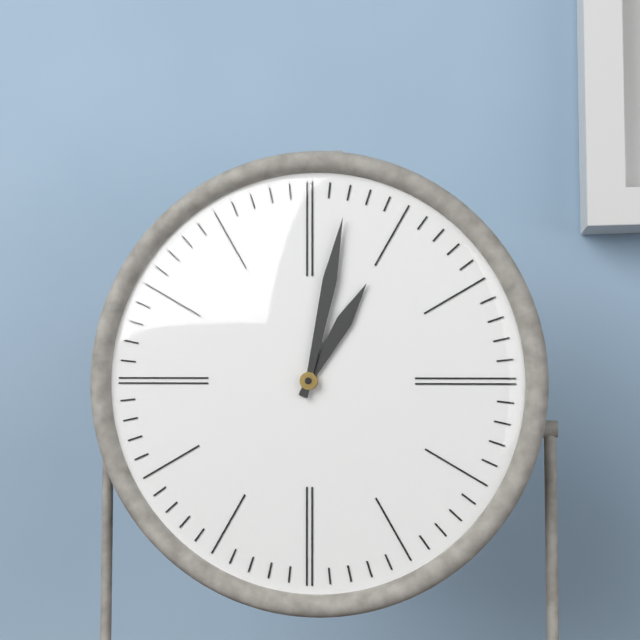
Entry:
h=1 m=2
